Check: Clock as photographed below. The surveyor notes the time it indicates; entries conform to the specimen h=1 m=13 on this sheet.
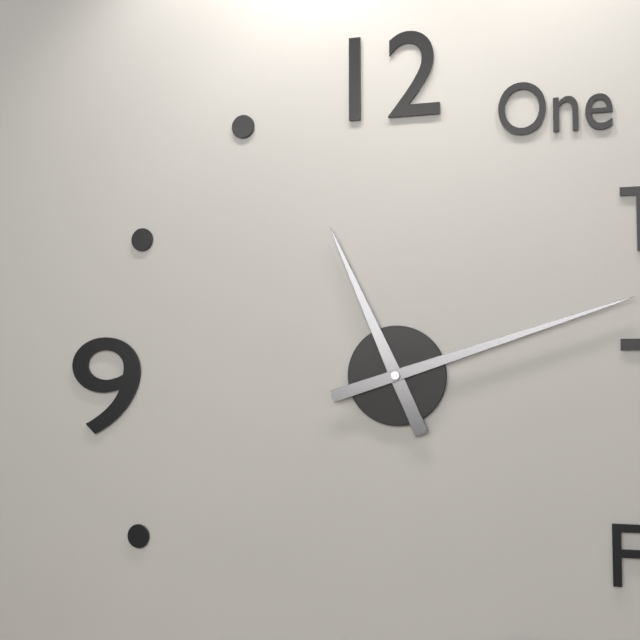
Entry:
h=11 m=12
